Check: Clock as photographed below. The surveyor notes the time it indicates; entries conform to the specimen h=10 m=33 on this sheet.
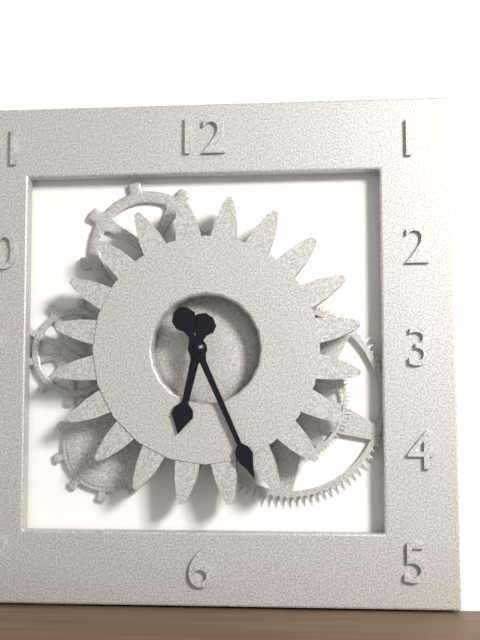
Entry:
h=6 m=26
